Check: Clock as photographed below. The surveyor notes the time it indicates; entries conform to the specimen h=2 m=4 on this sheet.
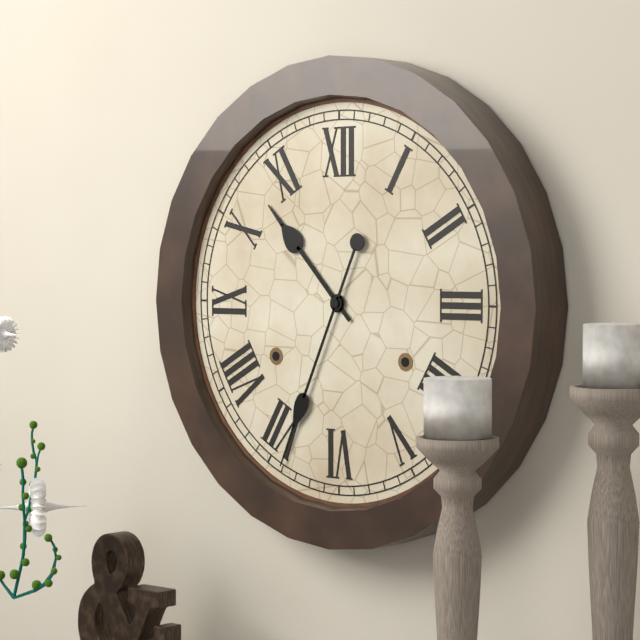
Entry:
h=10 m=34
